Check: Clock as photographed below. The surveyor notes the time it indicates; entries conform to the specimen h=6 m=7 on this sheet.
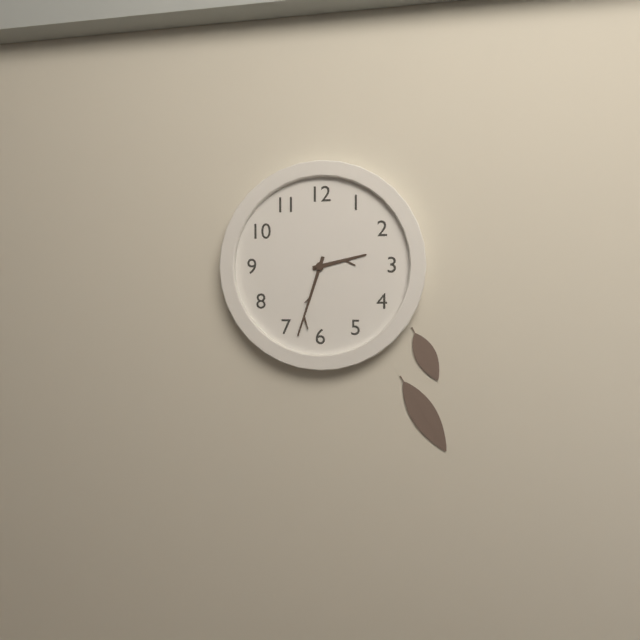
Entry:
h=2 m=33
